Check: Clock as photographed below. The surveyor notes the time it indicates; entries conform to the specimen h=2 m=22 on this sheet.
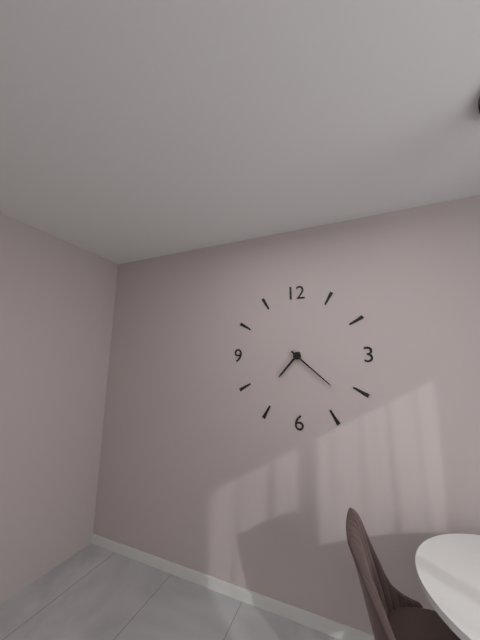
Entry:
h=7 m=22
